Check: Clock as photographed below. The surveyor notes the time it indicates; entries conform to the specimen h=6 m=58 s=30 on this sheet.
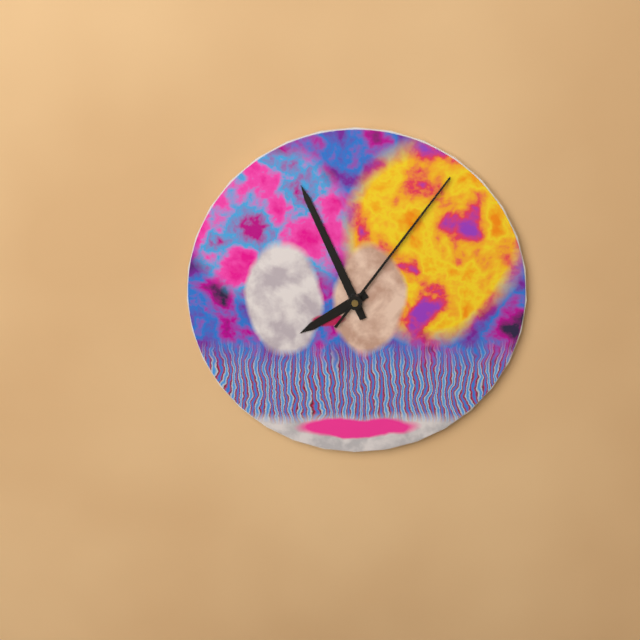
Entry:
h=7 m=56 s=6
